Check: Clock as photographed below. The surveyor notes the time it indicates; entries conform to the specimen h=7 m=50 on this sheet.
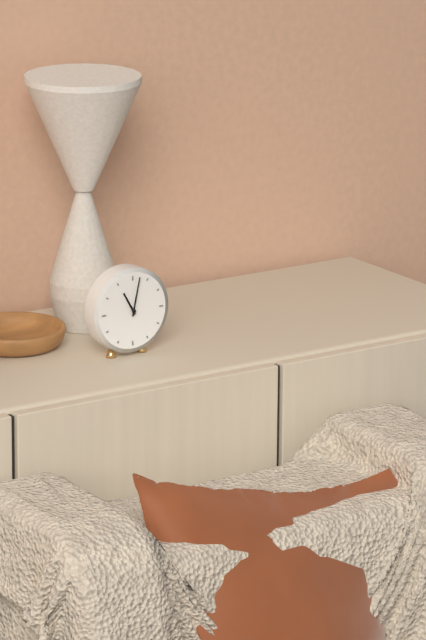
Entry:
h=11 m=2
